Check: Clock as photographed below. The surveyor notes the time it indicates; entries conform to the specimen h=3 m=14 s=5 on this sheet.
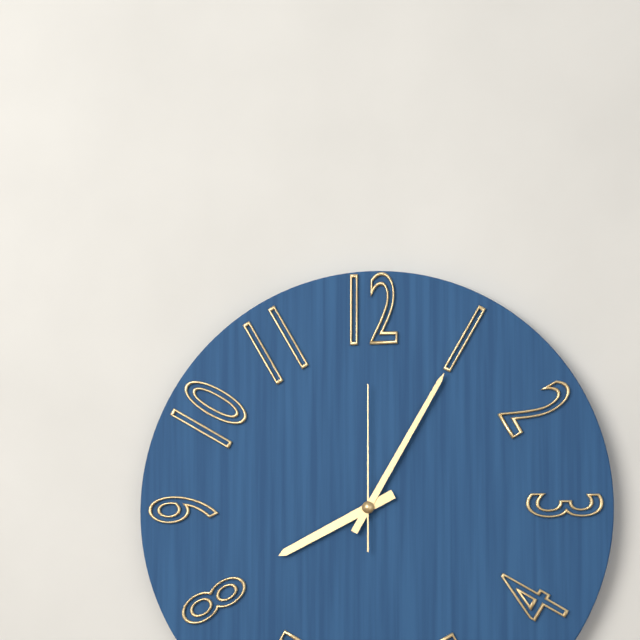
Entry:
h=8 m=5 s=0
